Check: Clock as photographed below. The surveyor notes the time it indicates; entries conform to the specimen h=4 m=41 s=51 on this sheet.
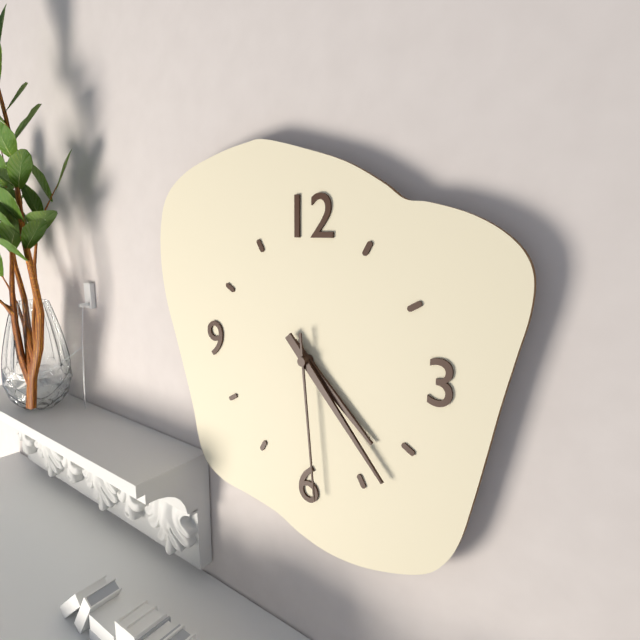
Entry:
h=4 m=23 s=29
